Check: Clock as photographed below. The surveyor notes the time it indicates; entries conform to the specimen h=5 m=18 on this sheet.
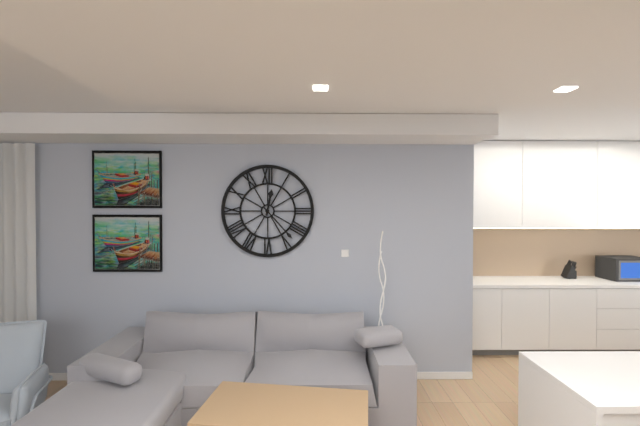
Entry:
h=12 m=23
